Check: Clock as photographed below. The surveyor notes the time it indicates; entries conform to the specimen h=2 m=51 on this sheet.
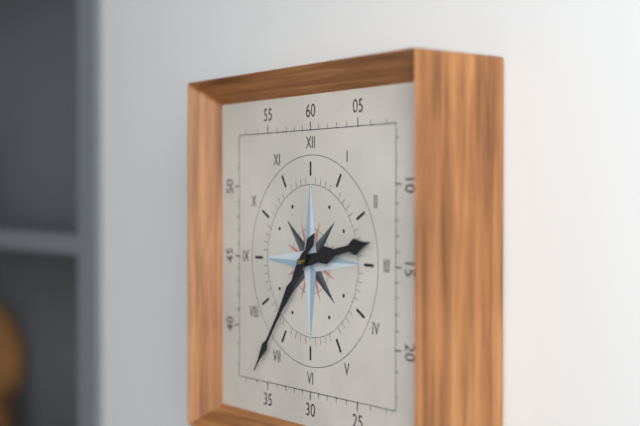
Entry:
h=2 m=36
